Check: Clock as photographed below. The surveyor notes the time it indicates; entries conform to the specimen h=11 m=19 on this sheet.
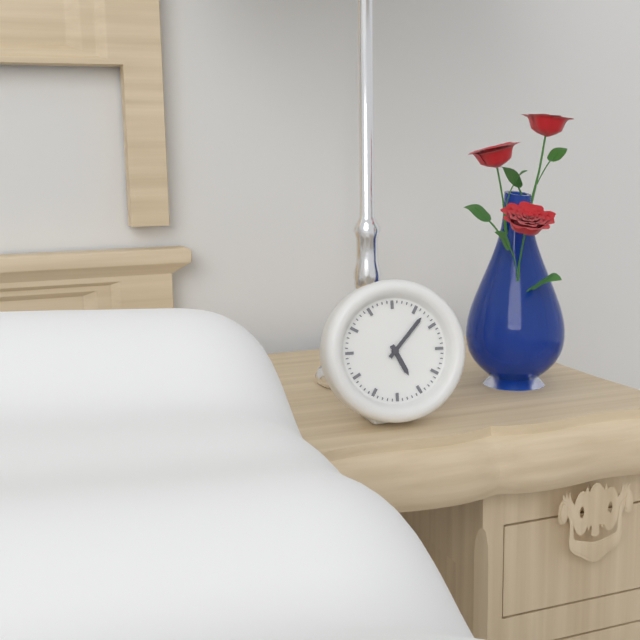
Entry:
h=5 m=7
